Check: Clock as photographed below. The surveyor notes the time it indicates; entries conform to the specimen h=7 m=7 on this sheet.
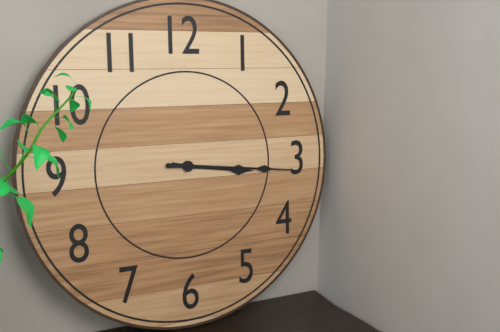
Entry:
h=3 m=16
